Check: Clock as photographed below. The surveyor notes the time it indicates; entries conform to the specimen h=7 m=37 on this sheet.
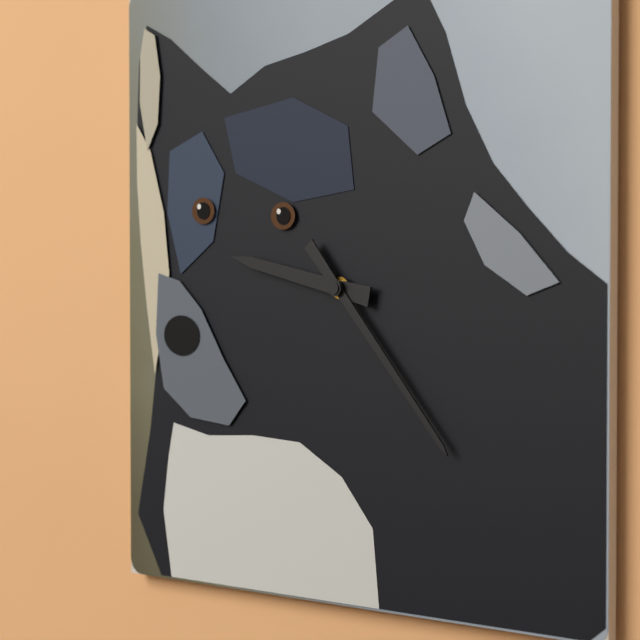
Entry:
h=9 m=23
